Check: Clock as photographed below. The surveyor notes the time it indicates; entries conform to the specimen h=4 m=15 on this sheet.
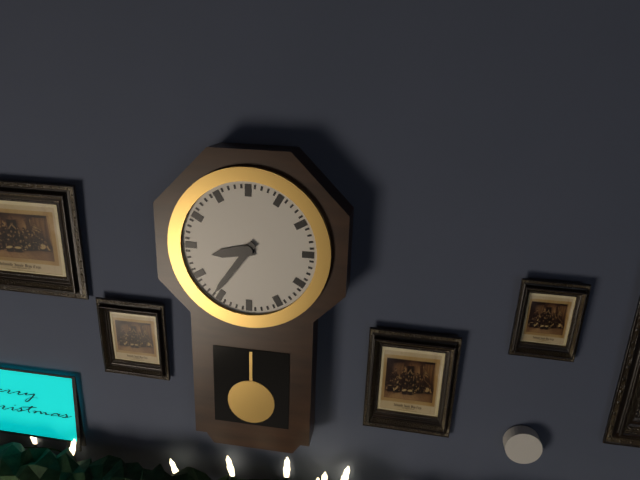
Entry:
h=8 m=36
